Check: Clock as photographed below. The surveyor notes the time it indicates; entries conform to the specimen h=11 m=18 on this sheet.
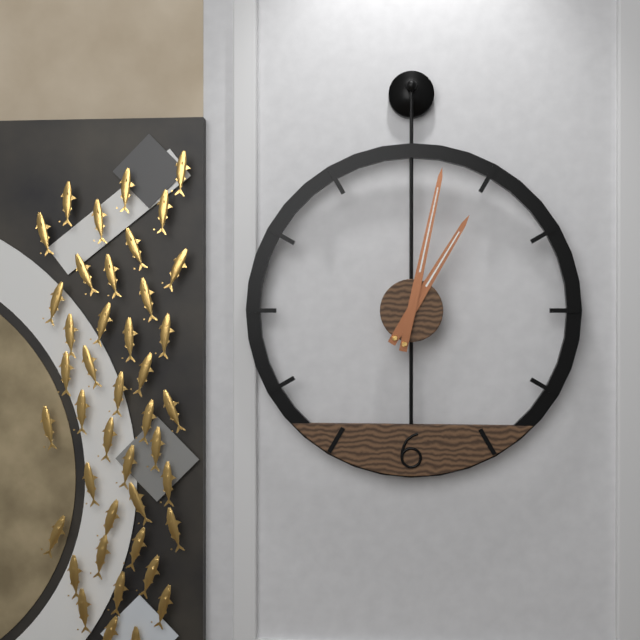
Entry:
h=1 m=2
